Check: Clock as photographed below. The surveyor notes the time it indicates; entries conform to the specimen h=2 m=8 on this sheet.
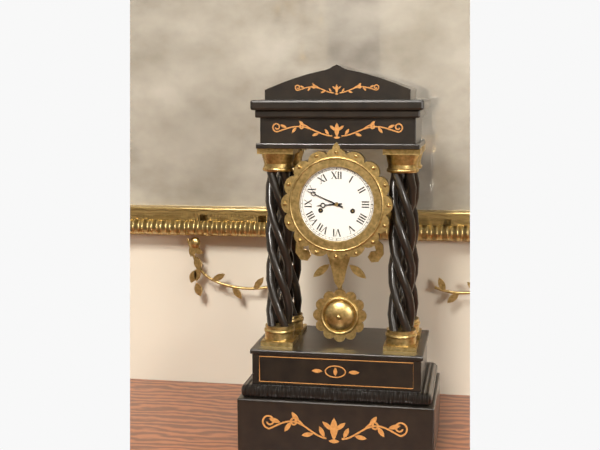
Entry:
h=8 m=49
